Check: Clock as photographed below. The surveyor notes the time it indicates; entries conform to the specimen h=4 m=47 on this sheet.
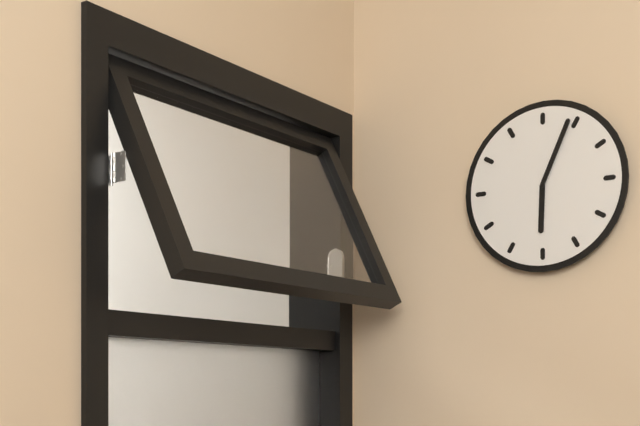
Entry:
h=6 m=4
